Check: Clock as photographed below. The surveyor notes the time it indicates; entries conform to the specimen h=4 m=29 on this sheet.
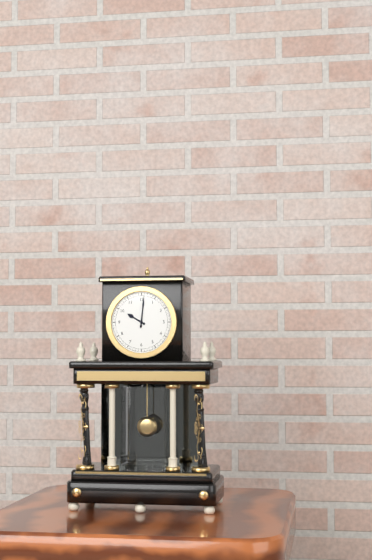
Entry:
h=10 m=1
